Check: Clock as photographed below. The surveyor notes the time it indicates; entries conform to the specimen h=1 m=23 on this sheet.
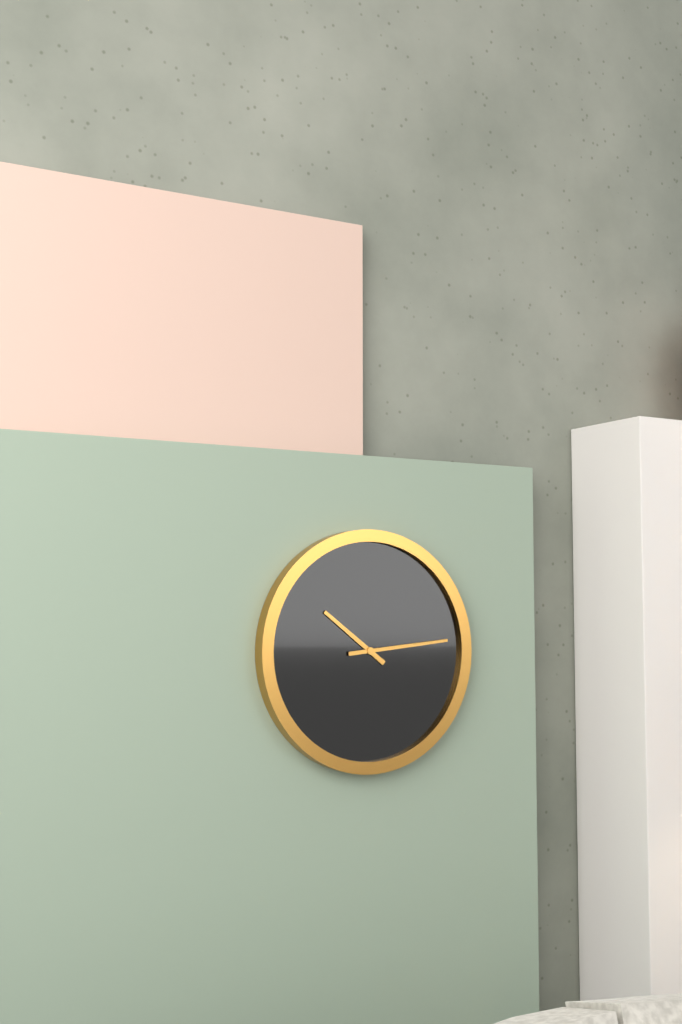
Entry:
h=10 m=14
